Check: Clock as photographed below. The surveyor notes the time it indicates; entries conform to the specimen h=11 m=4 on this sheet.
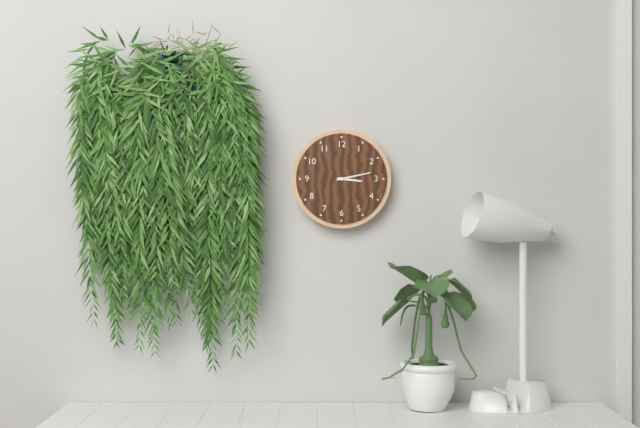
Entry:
h=3 m=13
